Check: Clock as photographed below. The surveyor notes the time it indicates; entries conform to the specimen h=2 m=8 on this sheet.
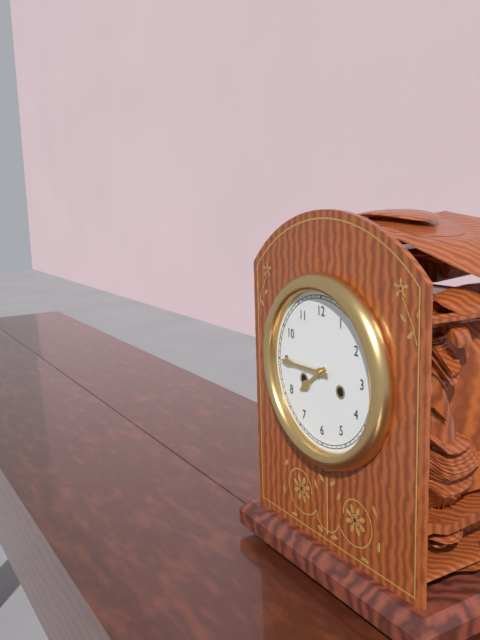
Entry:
h=7 m=45
